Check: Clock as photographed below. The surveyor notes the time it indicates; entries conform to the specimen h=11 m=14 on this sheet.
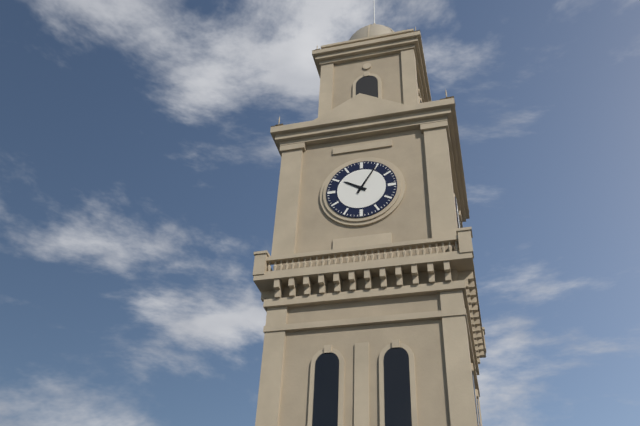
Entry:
h=10 m=5
